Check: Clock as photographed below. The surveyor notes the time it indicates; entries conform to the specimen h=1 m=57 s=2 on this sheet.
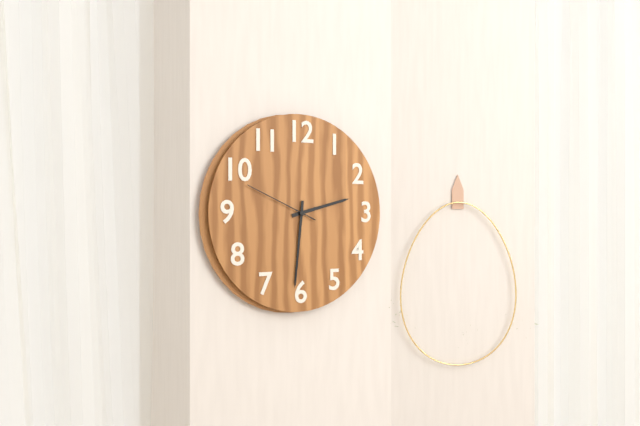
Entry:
h=2 m=31 s=49
